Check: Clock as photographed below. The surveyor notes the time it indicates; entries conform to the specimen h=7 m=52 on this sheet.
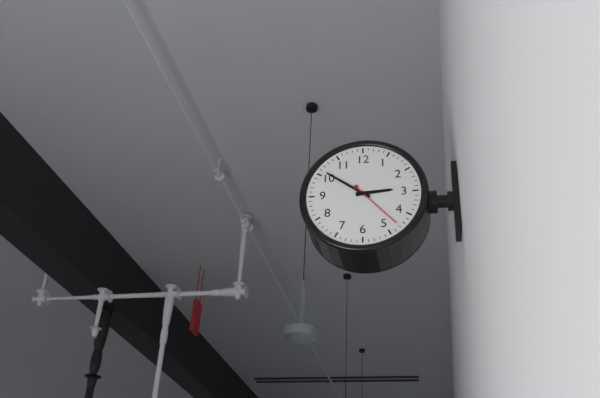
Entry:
h=2 m=51
